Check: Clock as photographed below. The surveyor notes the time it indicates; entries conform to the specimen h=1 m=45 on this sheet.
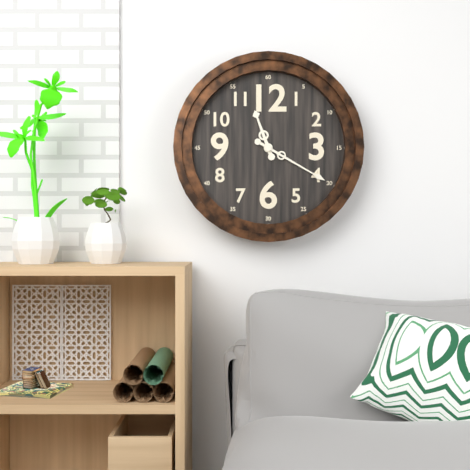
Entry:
h=11 m=20
